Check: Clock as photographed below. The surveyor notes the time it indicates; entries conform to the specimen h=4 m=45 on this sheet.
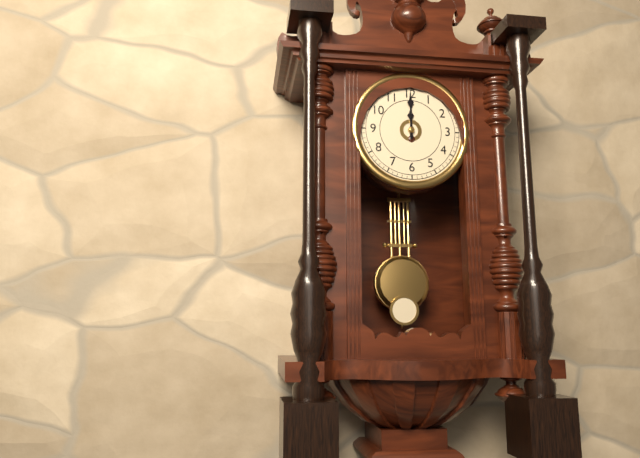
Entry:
h=12 m=0
